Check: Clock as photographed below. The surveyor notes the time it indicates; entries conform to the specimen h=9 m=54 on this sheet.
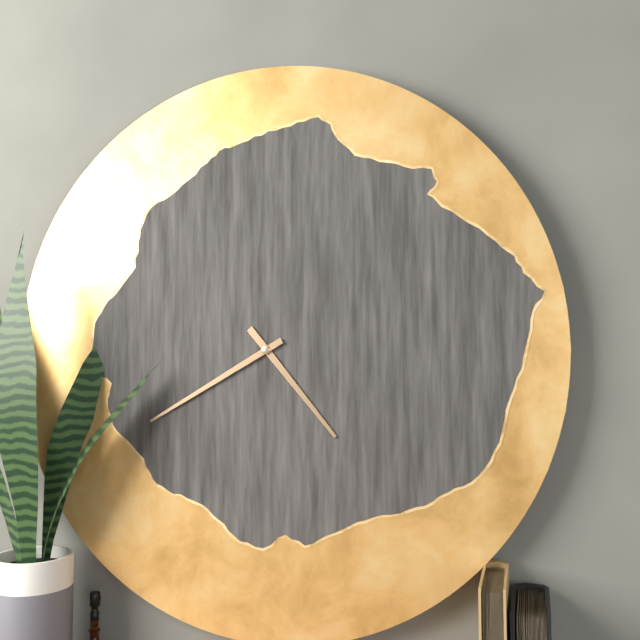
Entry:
h=4 m=40
